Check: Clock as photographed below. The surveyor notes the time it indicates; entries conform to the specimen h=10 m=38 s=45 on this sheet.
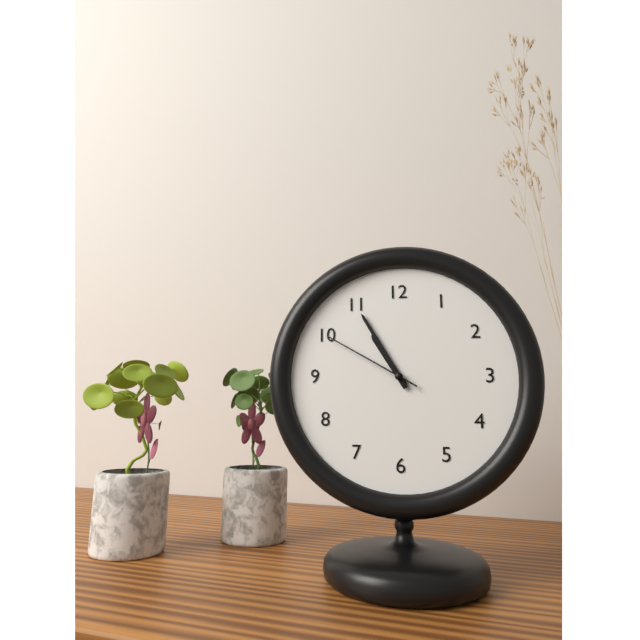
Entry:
h=10 m=55 s=50
